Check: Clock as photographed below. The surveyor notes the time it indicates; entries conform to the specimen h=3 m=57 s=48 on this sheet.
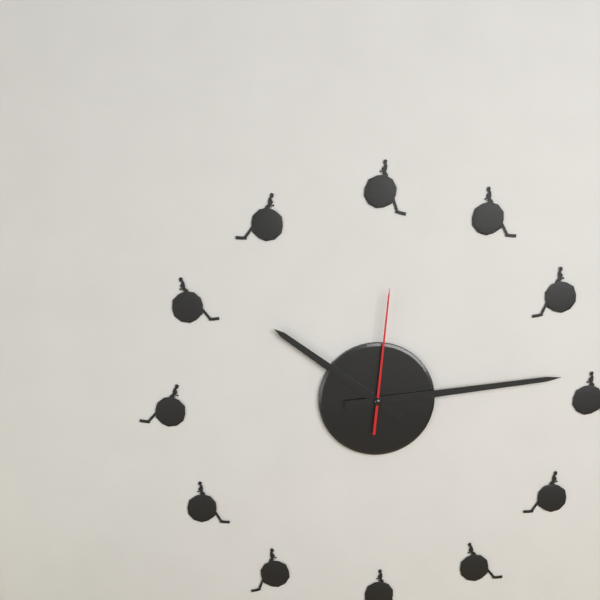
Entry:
h=10 m=14 s=1
